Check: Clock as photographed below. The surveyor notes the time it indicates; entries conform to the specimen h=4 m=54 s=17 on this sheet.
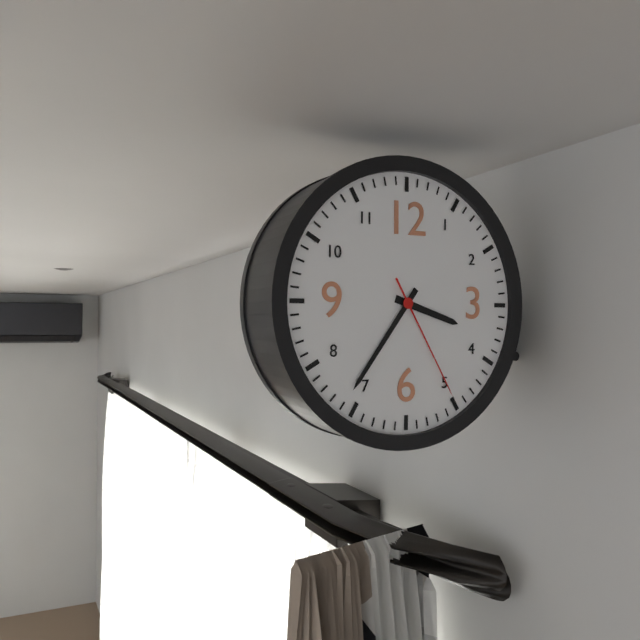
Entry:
h=3 m=36 s=25
